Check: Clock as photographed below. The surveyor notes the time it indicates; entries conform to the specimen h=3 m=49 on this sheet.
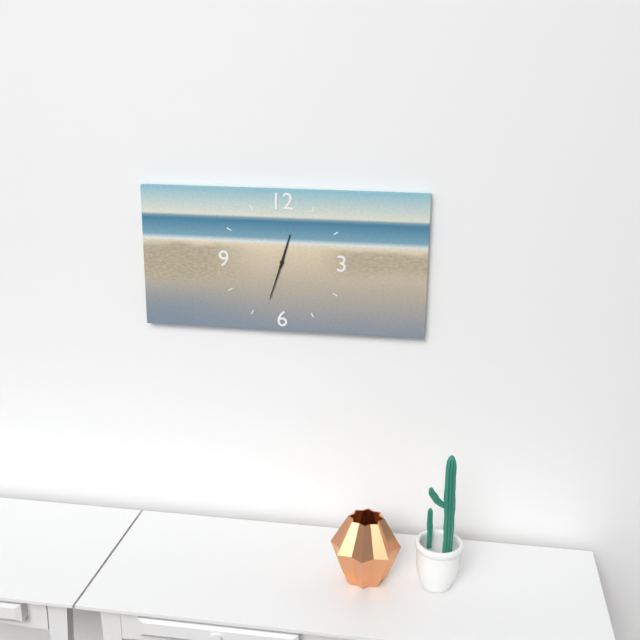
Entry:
h=12 m=33
